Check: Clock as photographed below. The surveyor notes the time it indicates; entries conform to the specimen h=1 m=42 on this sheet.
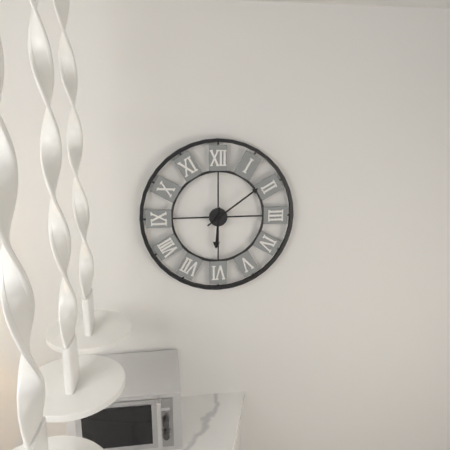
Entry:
h=6 m=9
